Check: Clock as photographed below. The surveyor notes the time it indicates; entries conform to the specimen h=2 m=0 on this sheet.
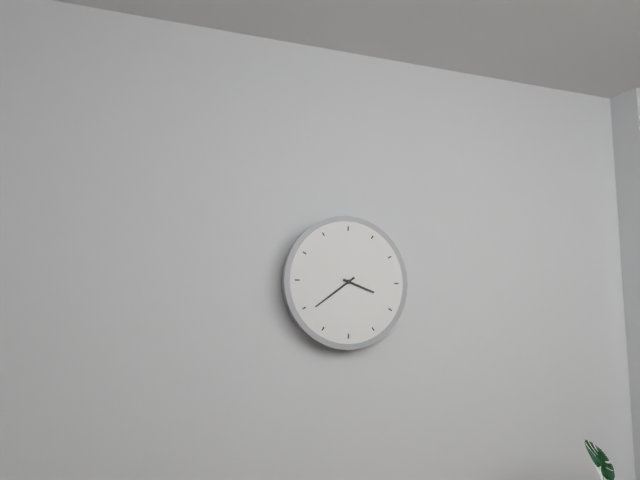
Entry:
h=3 m=39
